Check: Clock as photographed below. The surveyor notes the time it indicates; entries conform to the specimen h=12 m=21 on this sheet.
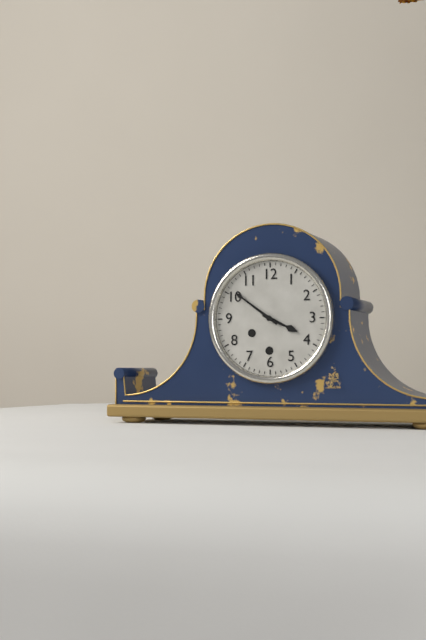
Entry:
h=3 m=51
